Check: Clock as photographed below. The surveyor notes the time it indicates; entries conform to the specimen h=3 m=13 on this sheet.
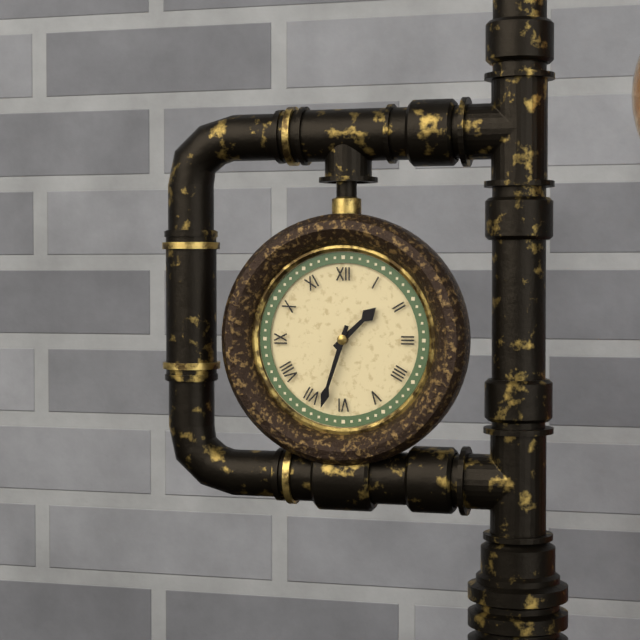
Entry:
h=1 m=33
